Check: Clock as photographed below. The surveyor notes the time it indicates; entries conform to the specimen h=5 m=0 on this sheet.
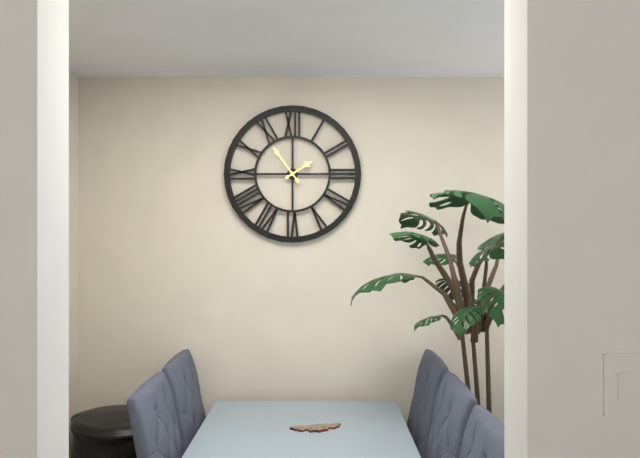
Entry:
h=1 m=54
